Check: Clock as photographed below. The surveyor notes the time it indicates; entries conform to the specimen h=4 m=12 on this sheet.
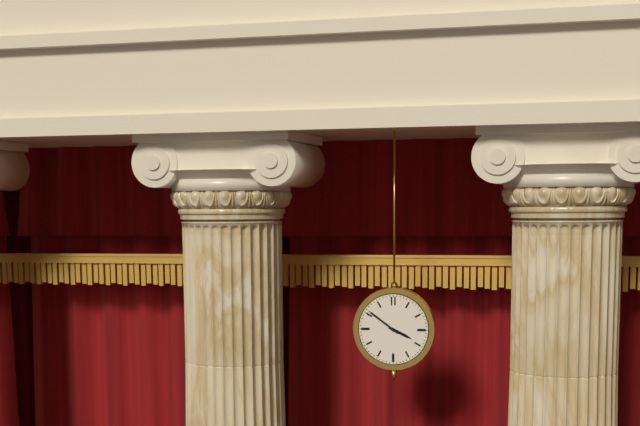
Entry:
h=3 m=51
